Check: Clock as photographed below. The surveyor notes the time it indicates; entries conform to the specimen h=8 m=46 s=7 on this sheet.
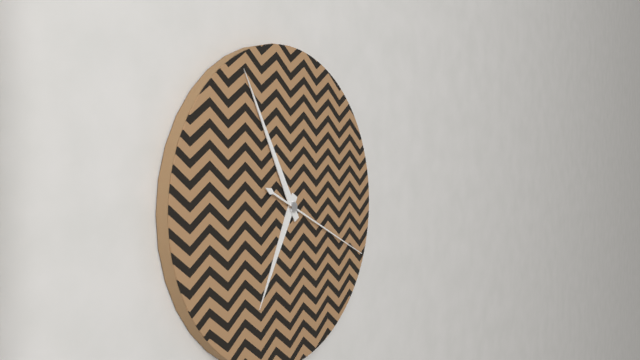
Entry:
h=6 m=55 s=19
